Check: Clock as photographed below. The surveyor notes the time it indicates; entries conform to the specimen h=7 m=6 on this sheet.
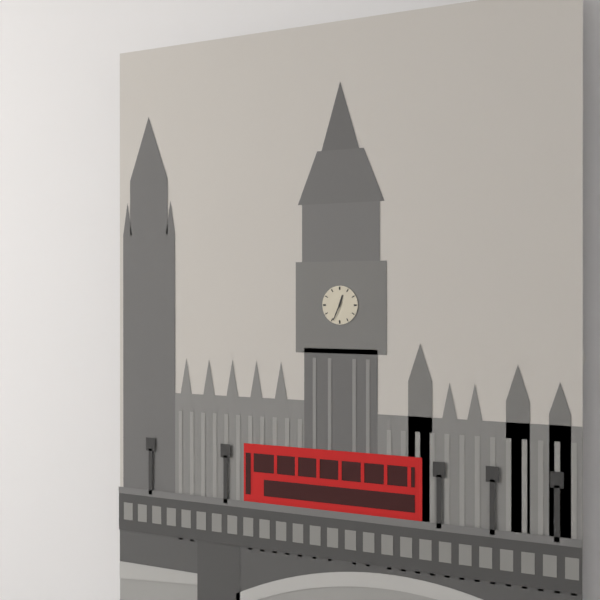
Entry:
h=12 m=34
